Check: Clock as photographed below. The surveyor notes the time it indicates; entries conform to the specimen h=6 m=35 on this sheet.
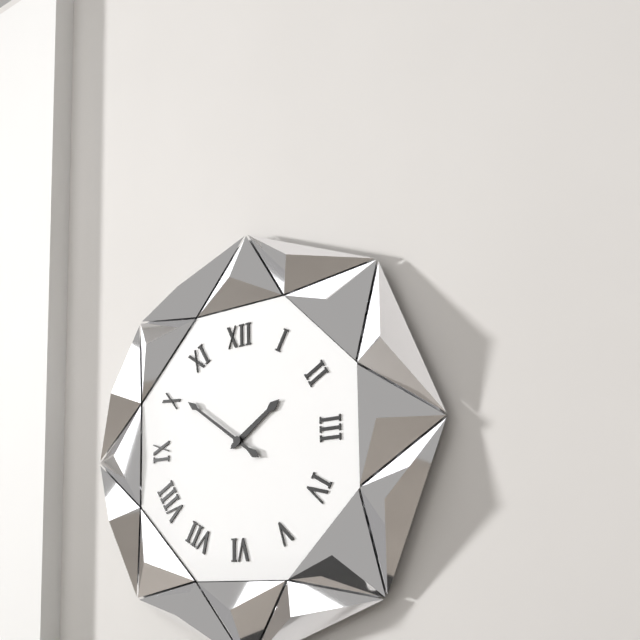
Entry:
h=1 m=51
